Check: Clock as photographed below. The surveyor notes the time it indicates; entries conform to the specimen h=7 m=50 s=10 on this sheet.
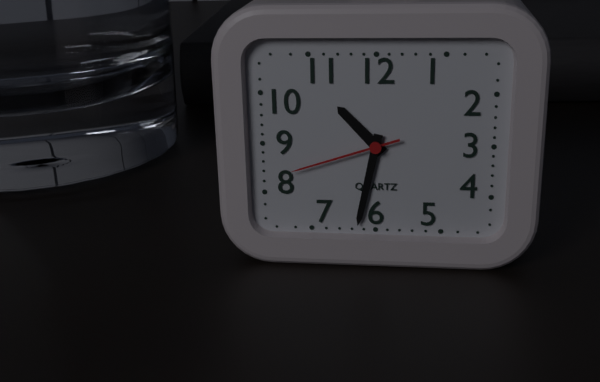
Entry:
h=10 m=32 s=42
